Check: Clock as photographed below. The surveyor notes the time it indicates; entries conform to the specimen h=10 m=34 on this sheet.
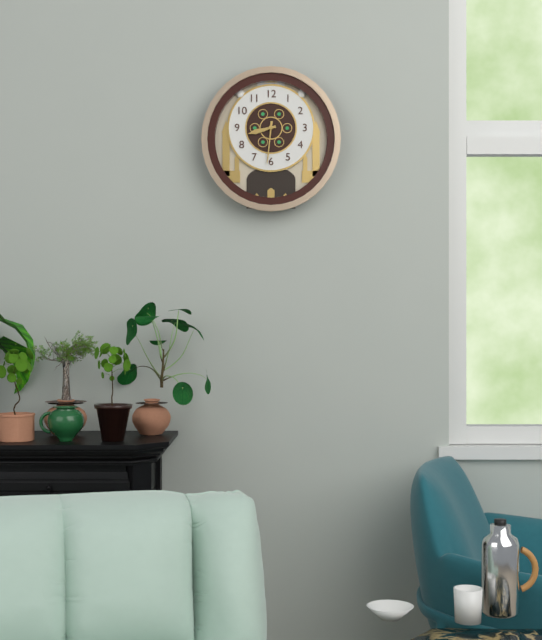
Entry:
h=8 m=31
